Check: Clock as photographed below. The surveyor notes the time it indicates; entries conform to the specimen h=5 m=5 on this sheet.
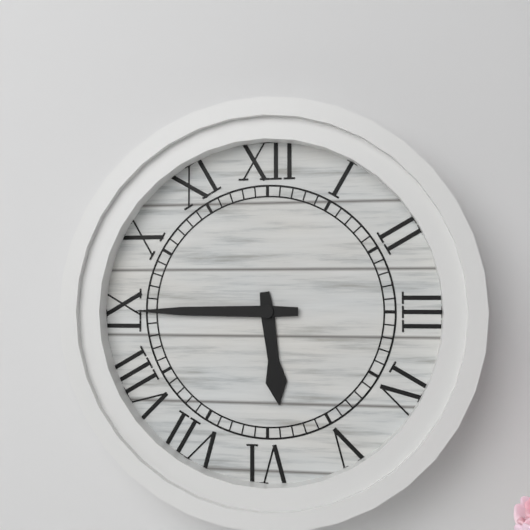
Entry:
h=5 m=45
